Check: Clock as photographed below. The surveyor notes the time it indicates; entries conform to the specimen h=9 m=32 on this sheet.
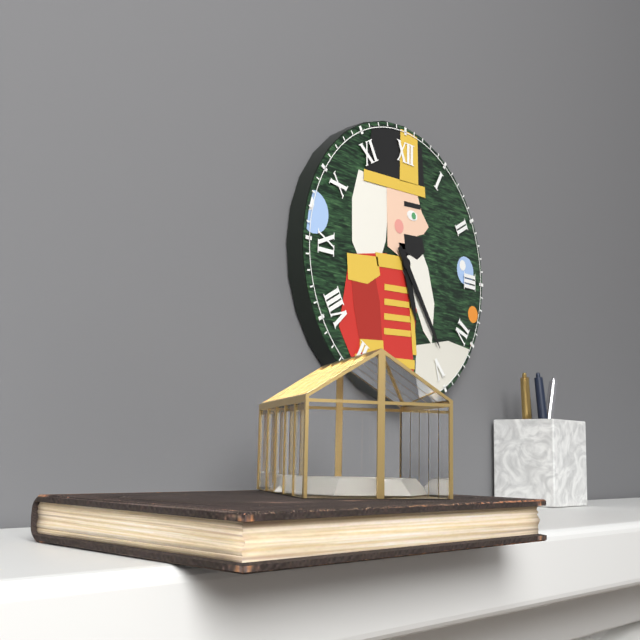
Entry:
h=5 m=24
